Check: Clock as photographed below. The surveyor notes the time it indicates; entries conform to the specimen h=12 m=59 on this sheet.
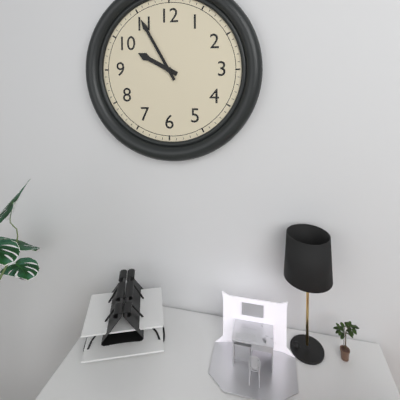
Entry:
h=9 m=55
